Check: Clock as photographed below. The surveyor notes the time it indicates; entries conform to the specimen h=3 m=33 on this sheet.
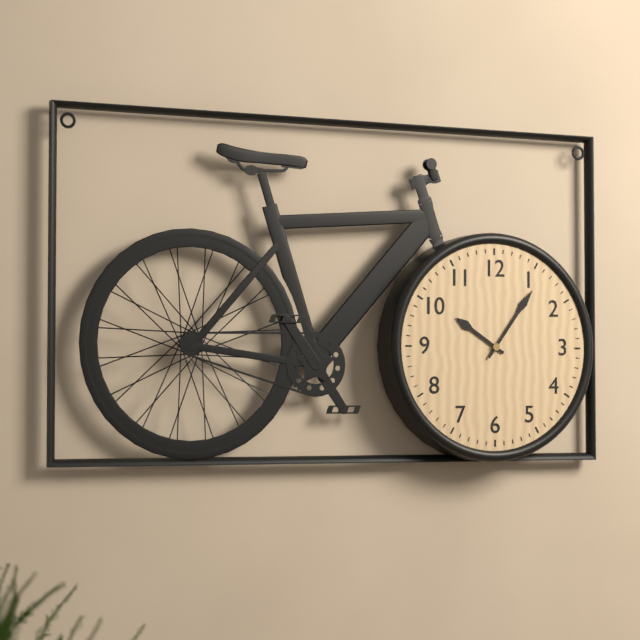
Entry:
h=10 m=6
